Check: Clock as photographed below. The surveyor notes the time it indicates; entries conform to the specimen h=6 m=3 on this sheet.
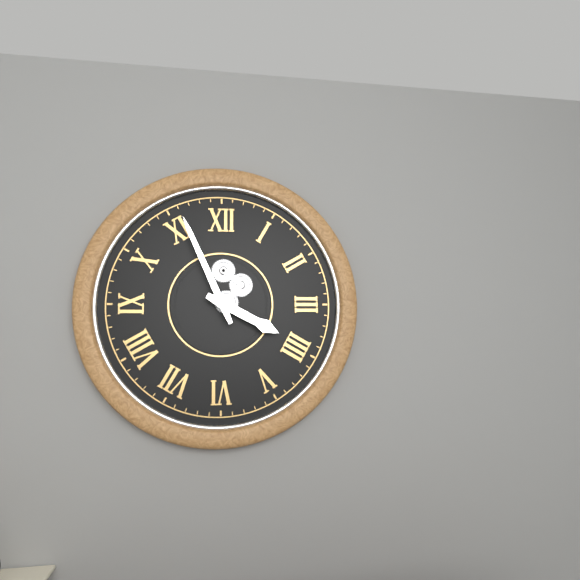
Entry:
h=3 m=56
